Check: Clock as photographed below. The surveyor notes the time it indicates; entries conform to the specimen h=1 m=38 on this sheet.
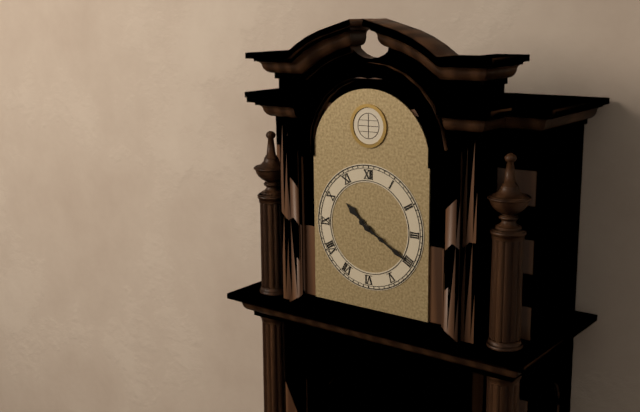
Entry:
h=10 m=20
